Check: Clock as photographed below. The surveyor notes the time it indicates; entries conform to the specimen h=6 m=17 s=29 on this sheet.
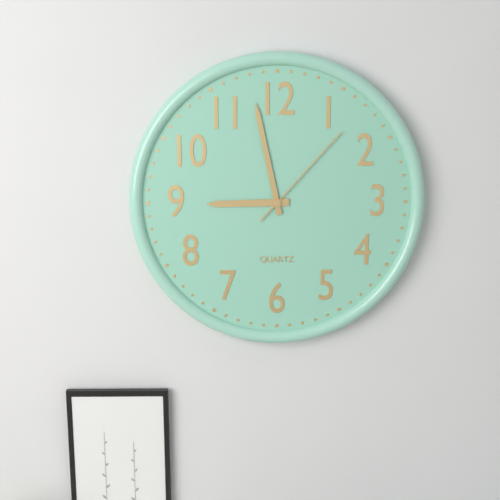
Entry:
h=8 m=58 s=7
